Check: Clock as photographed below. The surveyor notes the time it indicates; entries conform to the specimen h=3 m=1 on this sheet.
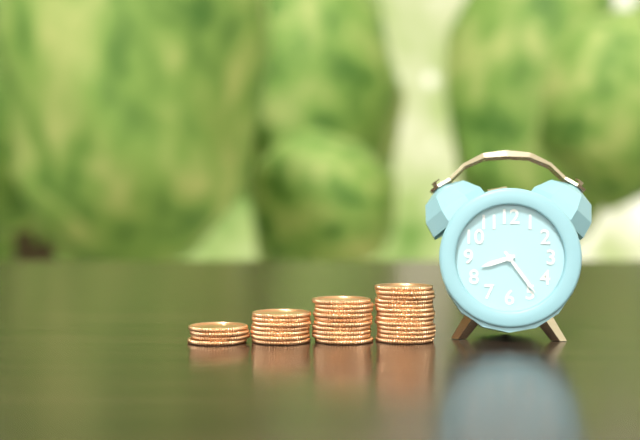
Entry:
h=8 m=24
